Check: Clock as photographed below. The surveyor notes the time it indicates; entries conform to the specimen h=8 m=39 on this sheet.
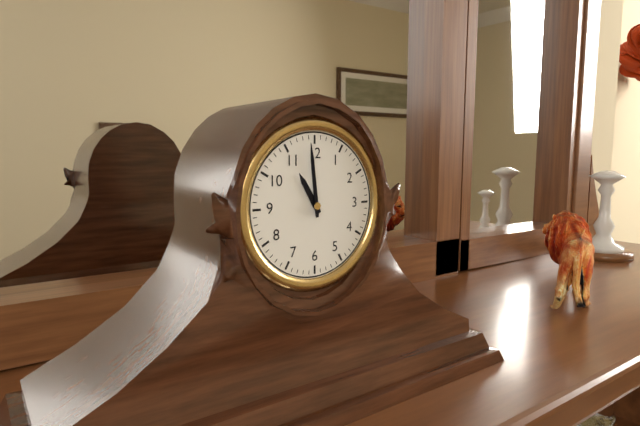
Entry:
h=10 m=59
